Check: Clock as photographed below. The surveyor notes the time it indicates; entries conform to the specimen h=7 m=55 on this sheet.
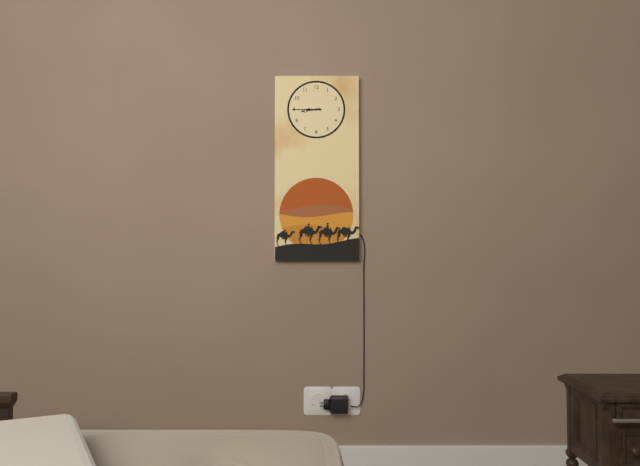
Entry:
h=8 m=45
